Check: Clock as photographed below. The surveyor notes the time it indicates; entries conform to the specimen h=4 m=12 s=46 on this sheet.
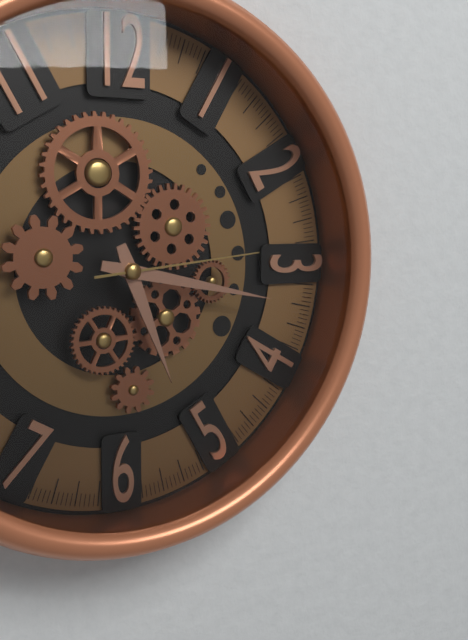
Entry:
h=5 m=17 s=14
